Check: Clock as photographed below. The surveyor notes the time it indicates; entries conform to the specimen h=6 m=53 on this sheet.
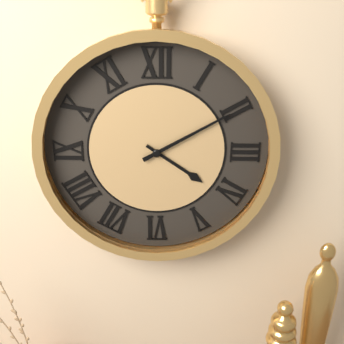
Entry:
h=4 m=10
